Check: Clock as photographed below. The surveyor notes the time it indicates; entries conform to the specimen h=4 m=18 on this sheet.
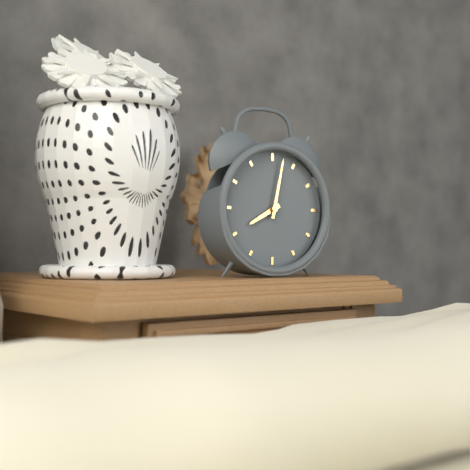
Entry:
h=8 m=2
